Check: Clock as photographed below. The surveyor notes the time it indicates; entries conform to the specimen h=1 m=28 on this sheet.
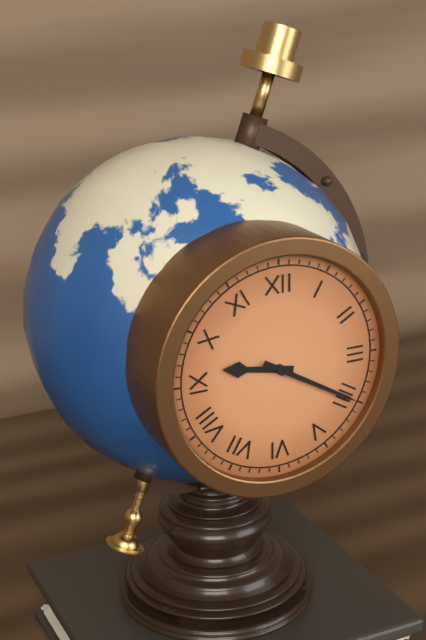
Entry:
h=9 m=20
